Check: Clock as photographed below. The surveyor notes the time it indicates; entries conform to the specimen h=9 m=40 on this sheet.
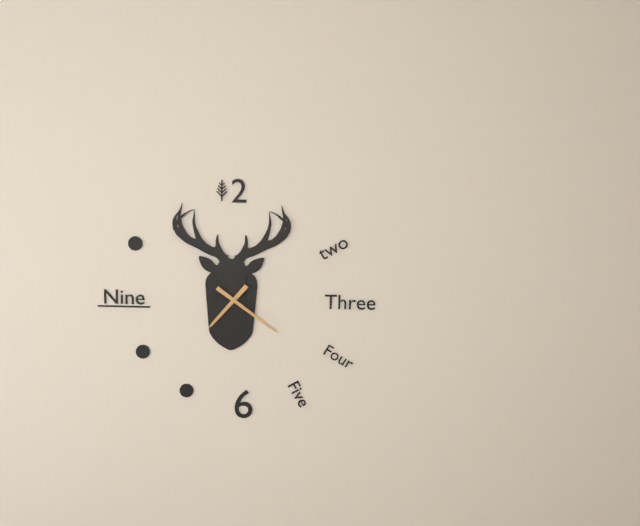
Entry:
h=7 m=21
